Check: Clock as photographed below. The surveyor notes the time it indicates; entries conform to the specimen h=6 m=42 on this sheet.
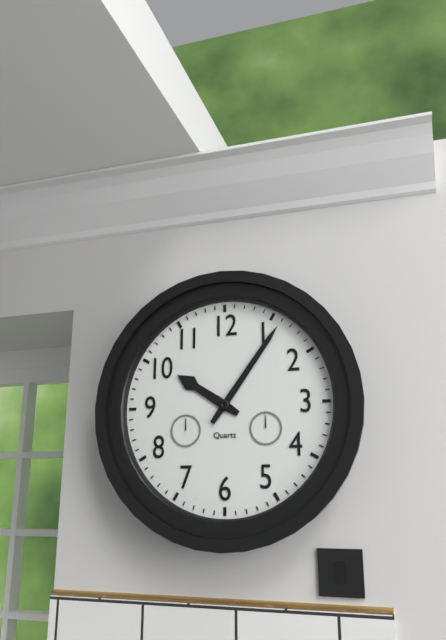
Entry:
h=10 m=6
